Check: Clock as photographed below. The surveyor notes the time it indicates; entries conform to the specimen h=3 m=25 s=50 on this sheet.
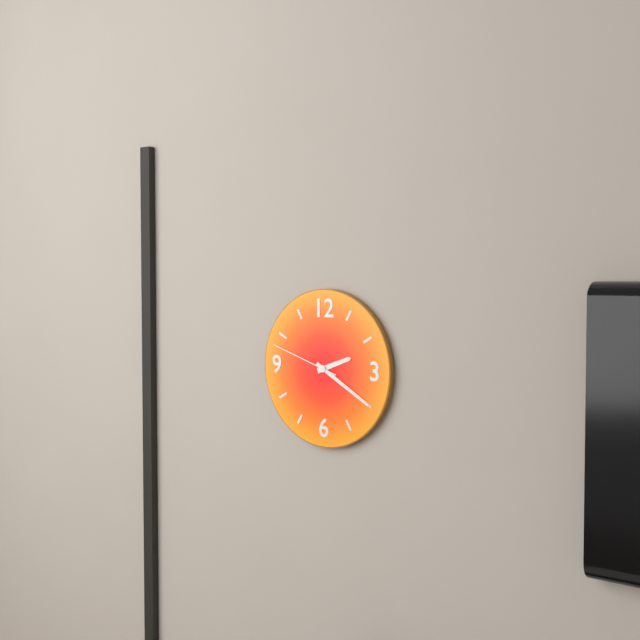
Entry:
h=2 m=20 s=48
